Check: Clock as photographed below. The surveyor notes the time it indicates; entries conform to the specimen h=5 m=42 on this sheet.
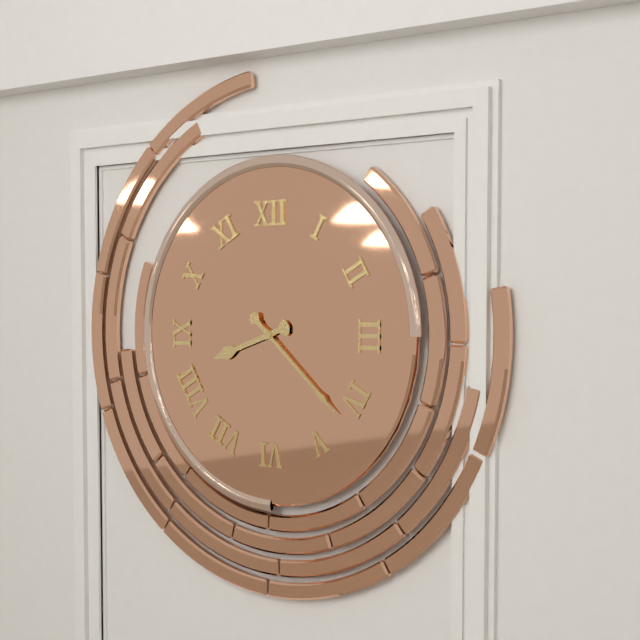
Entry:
h=8 m=22
